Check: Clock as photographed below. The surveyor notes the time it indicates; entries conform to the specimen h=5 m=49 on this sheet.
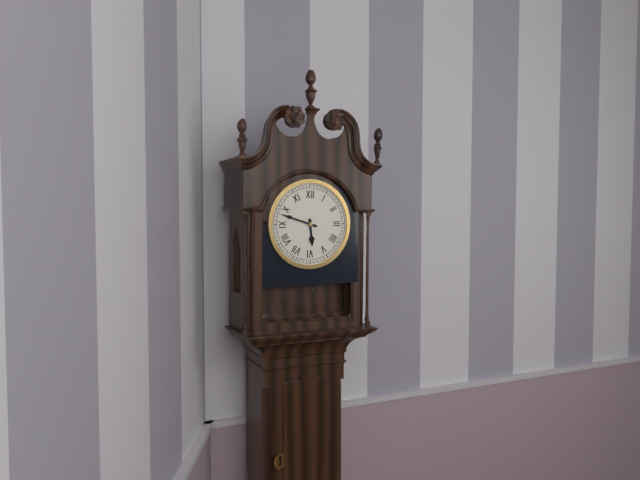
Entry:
h=5 m=48
